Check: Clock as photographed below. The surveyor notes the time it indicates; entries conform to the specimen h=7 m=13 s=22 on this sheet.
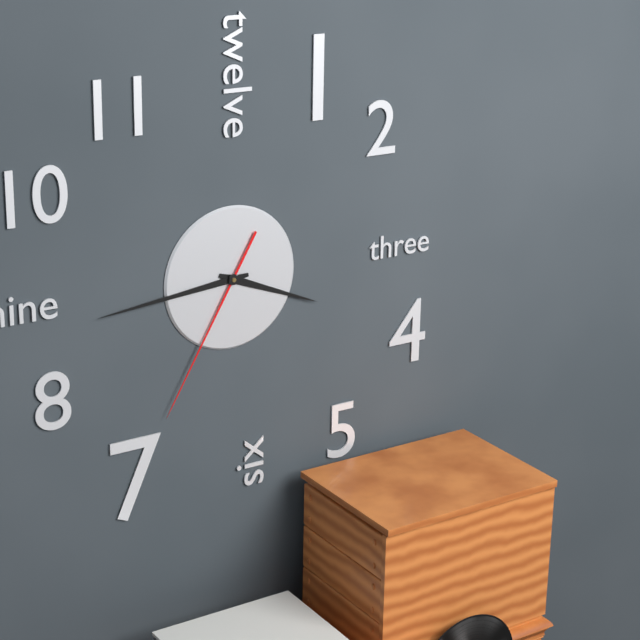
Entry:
h=3 m=44 s=35
